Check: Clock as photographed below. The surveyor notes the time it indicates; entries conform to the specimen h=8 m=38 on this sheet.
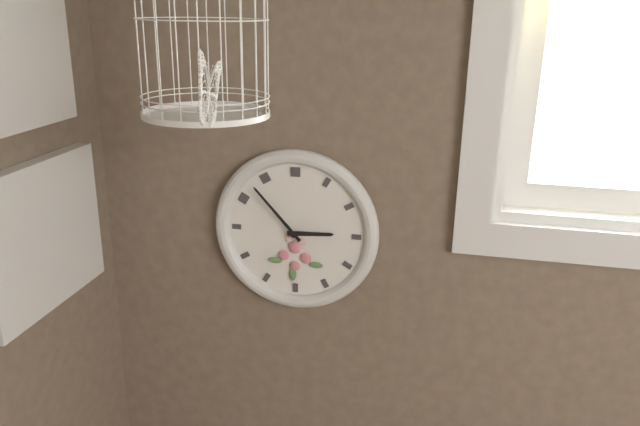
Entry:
h=2 m=53
